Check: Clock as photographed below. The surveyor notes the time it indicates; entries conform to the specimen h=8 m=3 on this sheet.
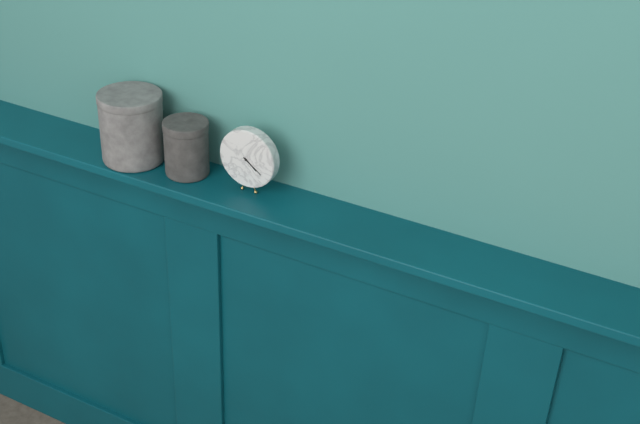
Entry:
h=4 m=21
